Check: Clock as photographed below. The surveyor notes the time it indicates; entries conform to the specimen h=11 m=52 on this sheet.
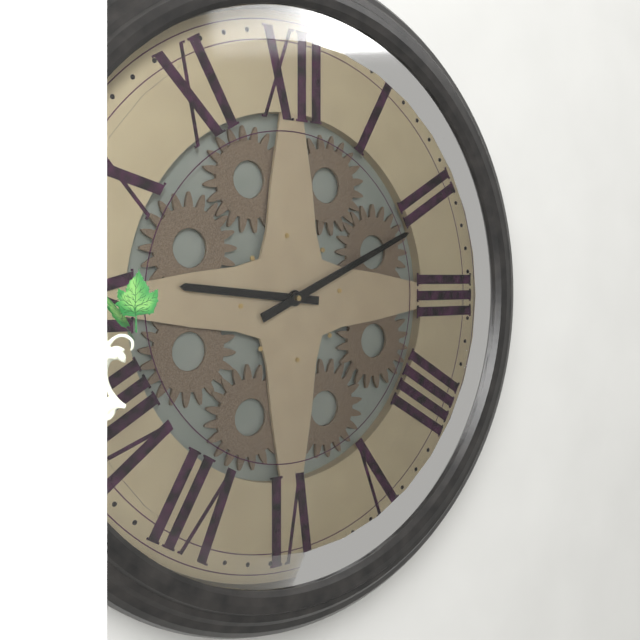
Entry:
h=9 m=11
